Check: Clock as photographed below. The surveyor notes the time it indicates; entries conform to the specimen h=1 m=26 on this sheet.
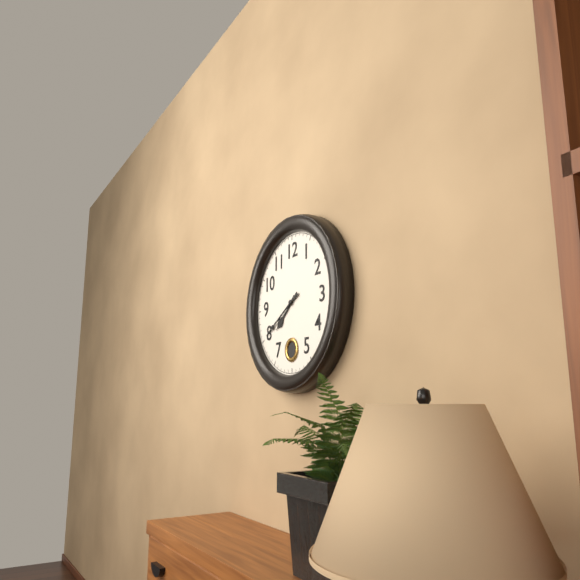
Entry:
h=7 m=40
